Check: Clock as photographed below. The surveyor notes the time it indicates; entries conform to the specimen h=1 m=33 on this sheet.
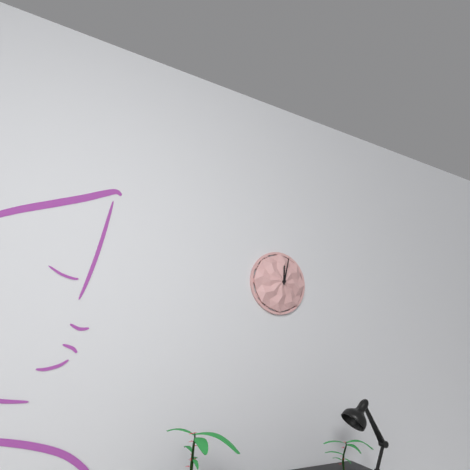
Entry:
h=12 m=2
